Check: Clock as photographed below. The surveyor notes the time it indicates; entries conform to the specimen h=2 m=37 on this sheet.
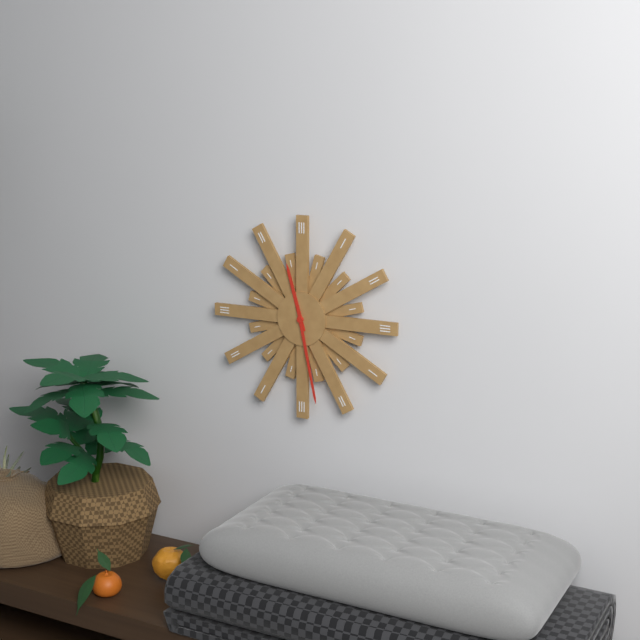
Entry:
h=11 m=28
